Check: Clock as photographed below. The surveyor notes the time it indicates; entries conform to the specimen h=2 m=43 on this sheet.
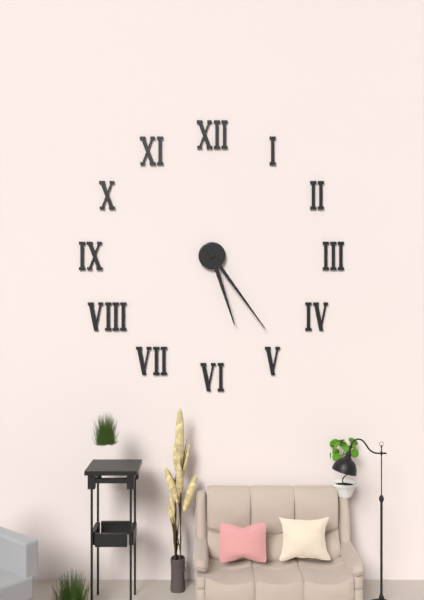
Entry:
h=5 m=24
